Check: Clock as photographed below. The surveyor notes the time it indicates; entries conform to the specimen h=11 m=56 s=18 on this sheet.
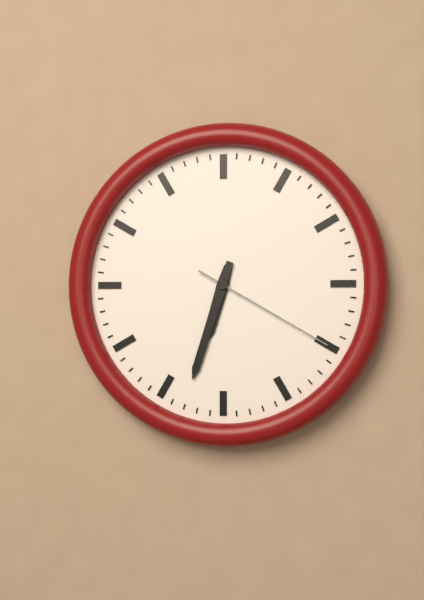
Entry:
h=6 m=33 s=20
